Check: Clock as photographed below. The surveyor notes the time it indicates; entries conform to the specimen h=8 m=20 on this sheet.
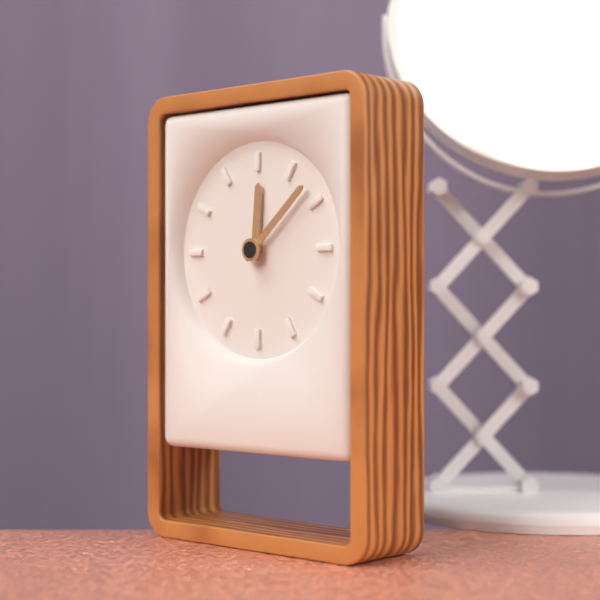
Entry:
h=12 m=8
